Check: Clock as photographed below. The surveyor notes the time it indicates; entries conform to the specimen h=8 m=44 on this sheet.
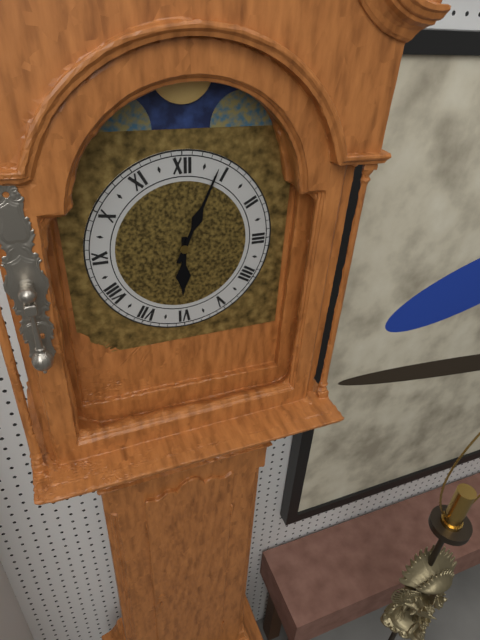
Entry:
h=6 m=4
